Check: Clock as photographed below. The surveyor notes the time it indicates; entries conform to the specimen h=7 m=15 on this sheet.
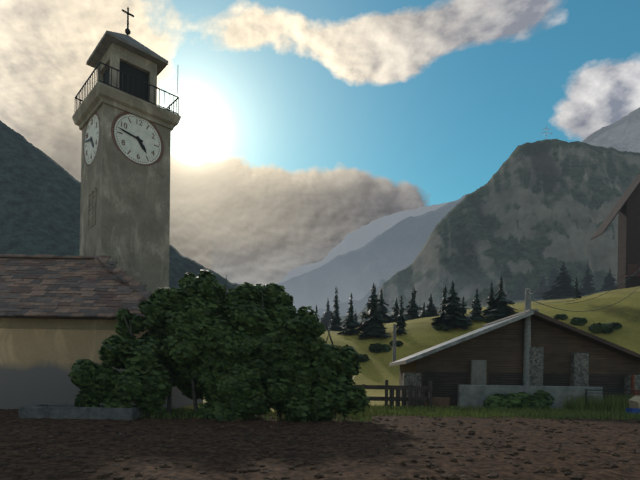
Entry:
h=4 m=47
